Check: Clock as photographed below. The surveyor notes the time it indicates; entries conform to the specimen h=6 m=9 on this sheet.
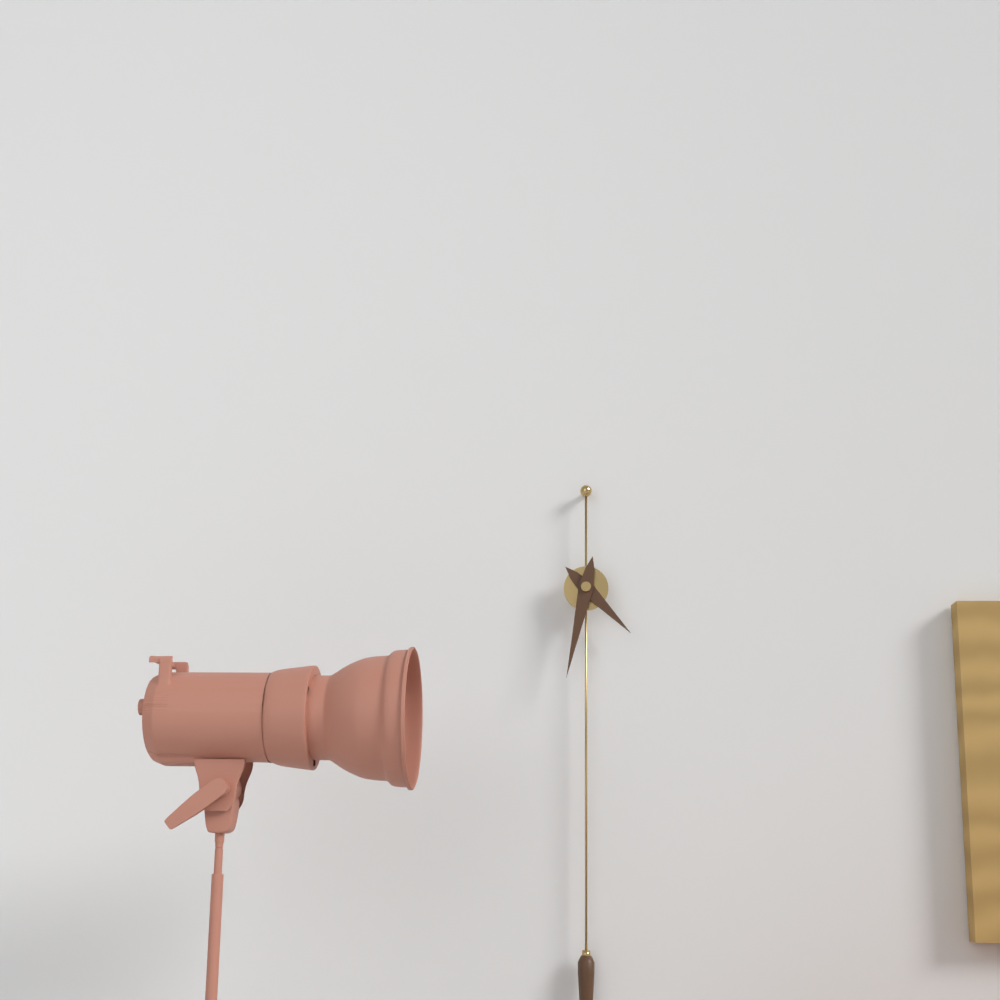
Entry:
h=4 m=32
